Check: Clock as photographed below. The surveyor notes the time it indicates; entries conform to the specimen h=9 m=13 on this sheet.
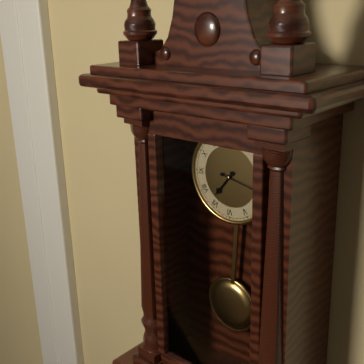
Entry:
h=7 m=17
